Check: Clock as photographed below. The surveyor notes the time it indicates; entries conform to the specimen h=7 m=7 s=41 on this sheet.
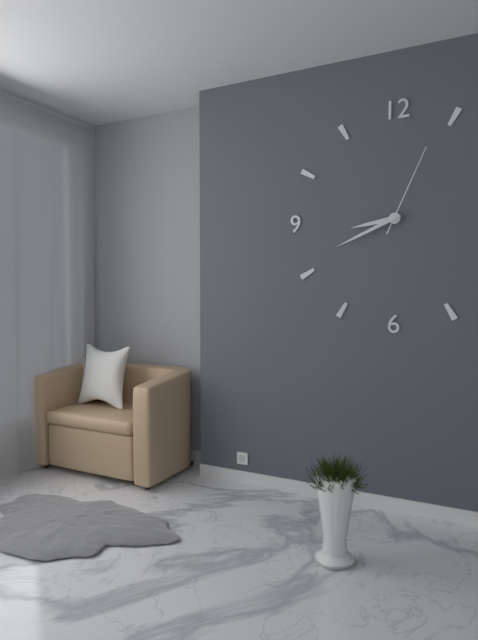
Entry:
h=8 m=41 s=4
